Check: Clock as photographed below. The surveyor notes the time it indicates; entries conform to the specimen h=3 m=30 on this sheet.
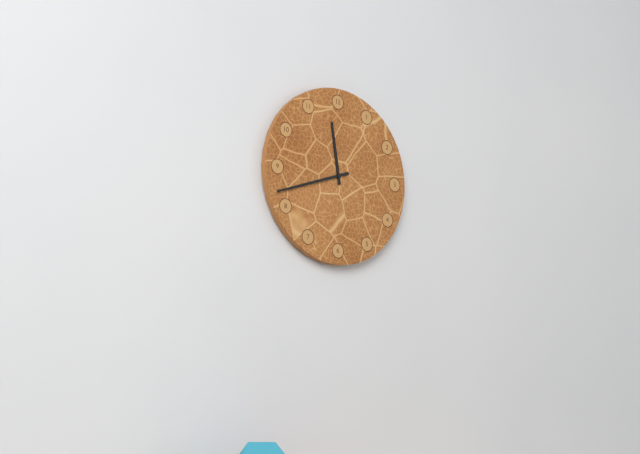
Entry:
h=11 m=42
